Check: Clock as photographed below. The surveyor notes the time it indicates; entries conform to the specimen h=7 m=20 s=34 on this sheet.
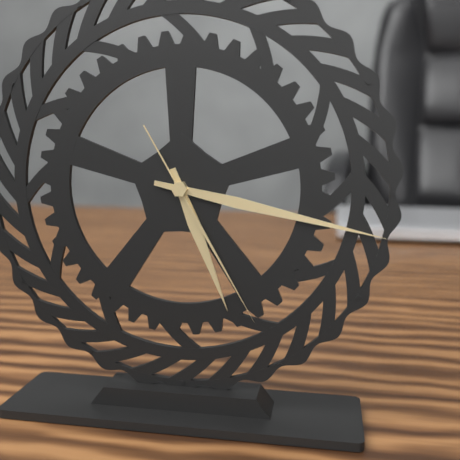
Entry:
h=5 m=17 s=25
